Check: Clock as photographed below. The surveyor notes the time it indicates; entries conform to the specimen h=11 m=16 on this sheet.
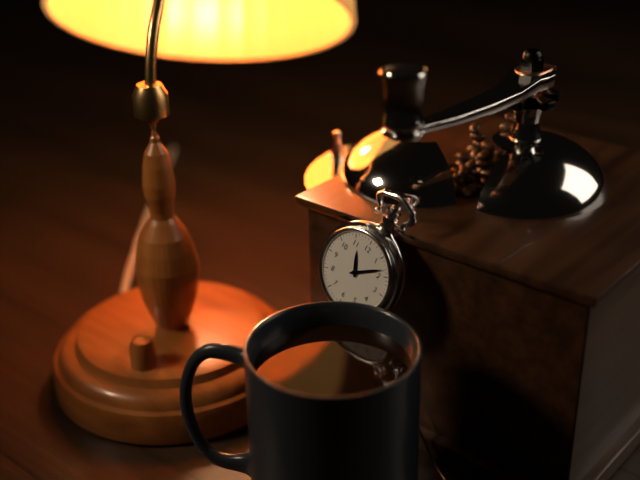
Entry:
h=11 m=8
